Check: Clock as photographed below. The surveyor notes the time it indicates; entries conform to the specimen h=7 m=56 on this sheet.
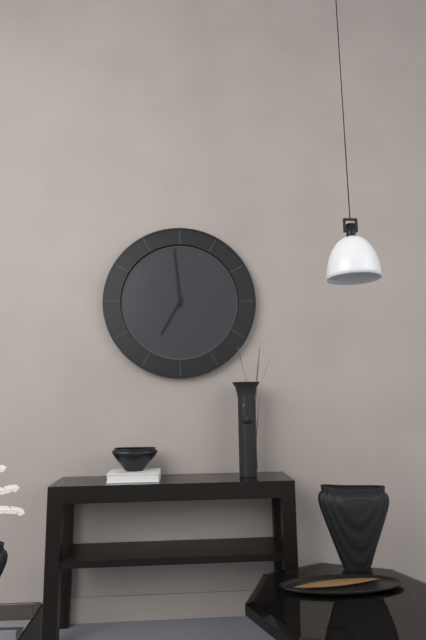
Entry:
h=6 m=59
